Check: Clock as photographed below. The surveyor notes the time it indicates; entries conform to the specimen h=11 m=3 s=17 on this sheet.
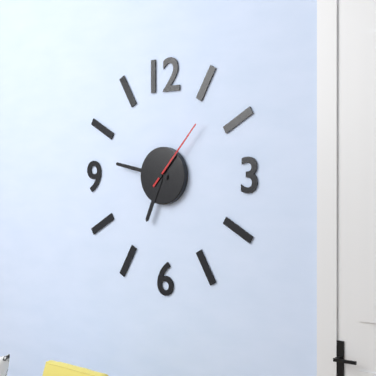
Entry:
h=6 m=47 s=7
